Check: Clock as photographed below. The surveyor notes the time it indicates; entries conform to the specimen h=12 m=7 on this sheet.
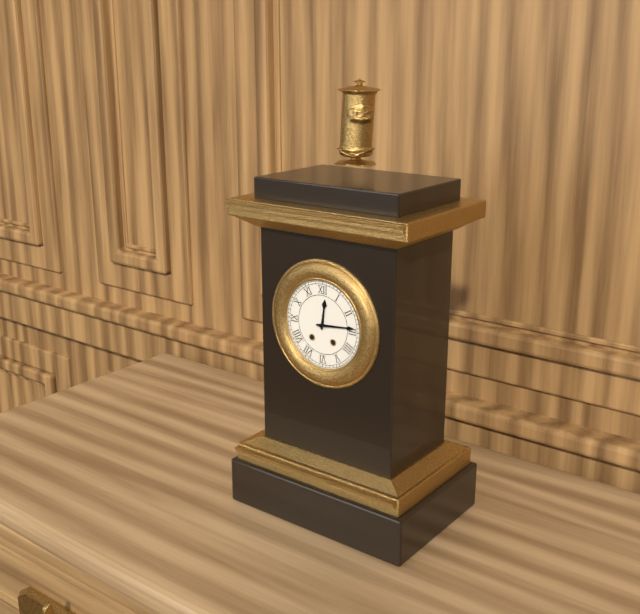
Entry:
h=12 m=14
